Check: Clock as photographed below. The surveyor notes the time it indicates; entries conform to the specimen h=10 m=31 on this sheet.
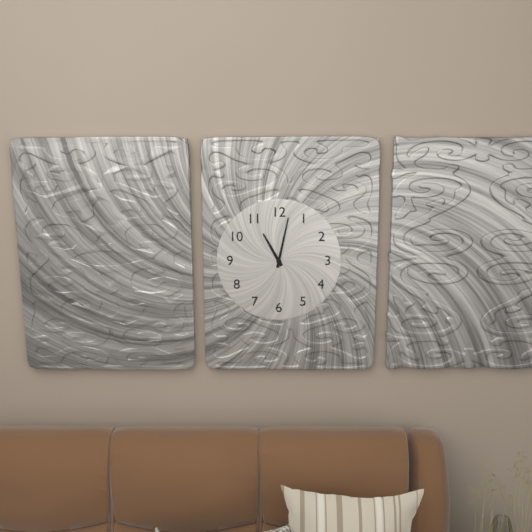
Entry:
h=11 m=2
